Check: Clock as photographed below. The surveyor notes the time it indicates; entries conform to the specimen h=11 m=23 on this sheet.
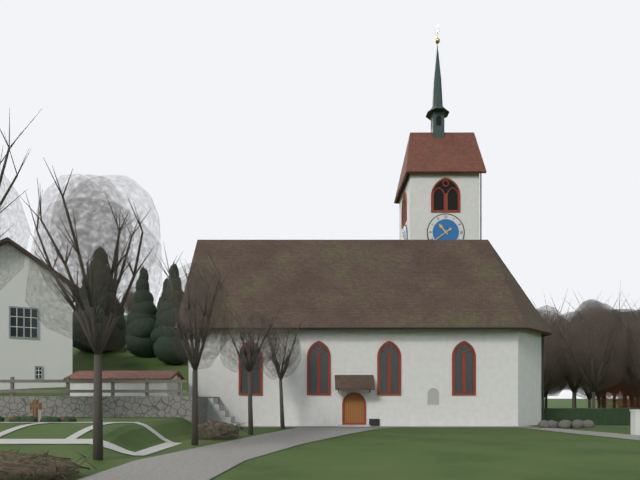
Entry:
h=10 m=39
